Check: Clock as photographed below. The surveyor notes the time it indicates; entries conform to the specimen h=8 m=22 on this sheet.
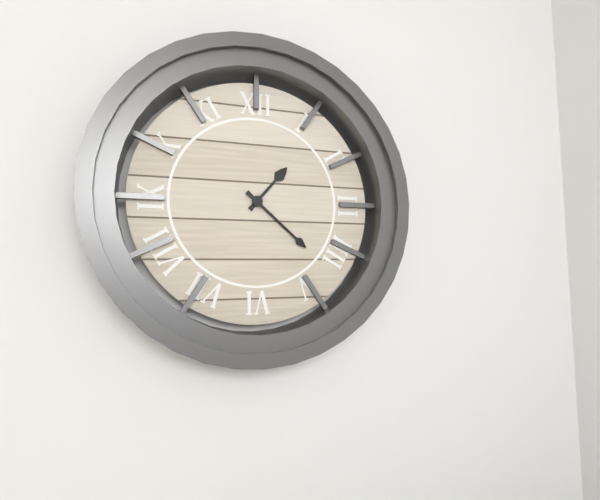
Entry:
h=1 m=22
